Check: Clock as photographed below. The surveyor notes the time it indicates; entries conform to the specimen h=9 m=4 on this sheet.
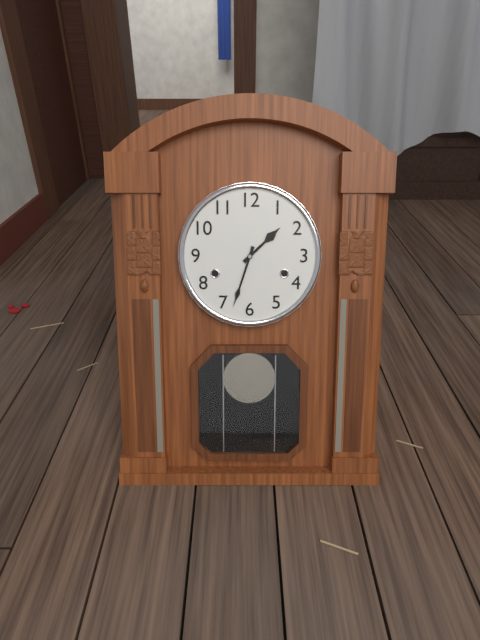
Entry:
h=1 m=33
